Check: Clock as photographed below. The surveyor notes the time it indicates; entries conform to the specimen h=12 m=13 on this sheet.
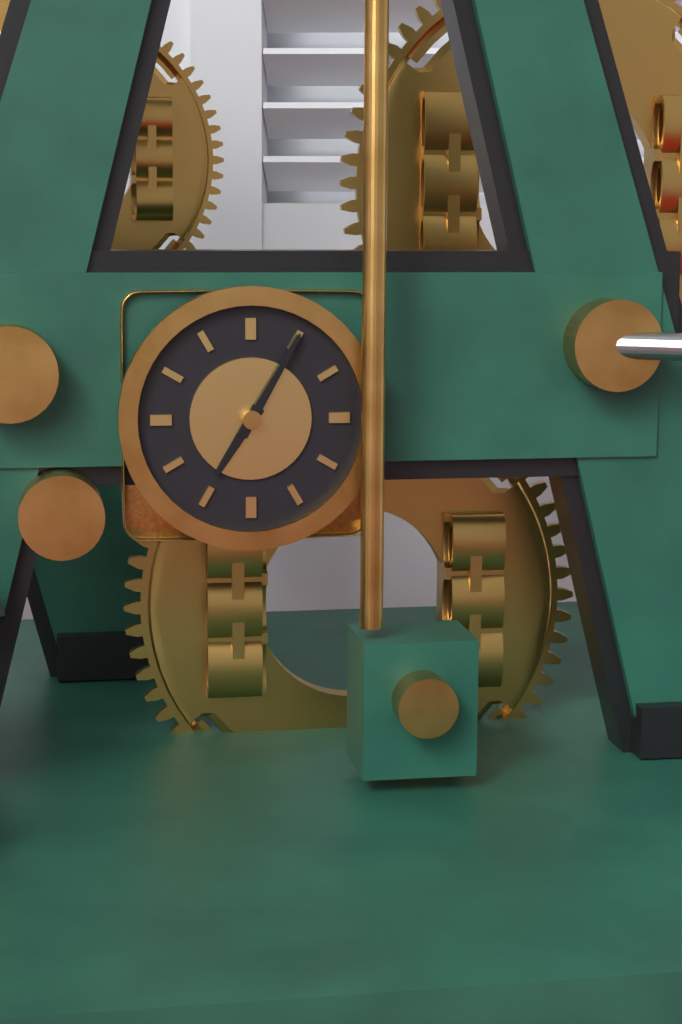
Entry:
h=7 m=5
